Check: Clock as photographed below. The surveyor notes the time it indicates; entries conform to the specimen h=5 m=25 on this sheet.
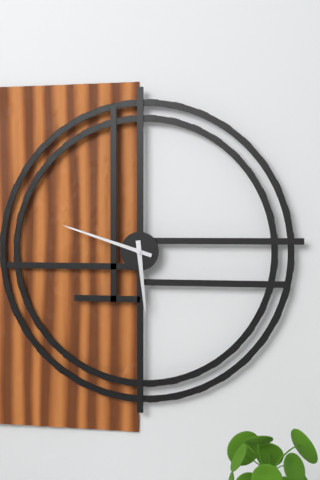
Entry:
h=5 m=48
